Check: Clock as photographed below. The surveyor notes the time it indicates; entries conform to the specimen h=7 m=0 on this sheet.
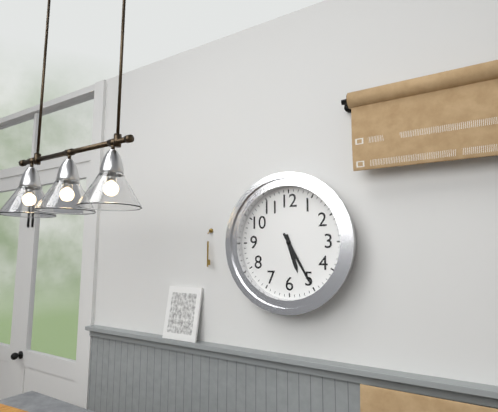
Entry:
h=5 m=25
